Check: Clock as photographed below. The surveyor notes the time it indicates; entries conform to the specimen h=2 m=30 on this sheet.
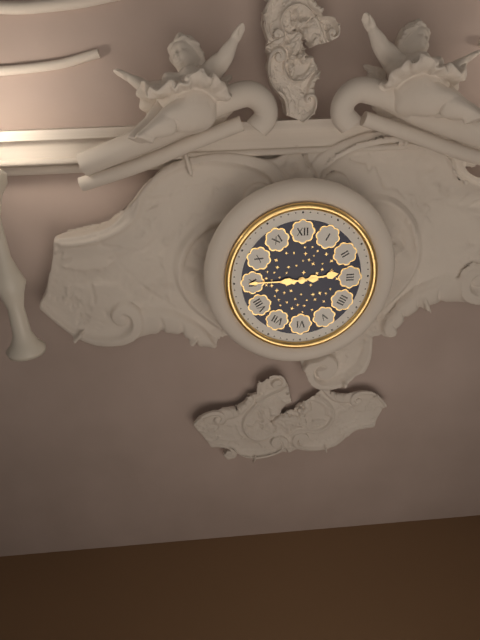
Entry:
h=2 m=45
